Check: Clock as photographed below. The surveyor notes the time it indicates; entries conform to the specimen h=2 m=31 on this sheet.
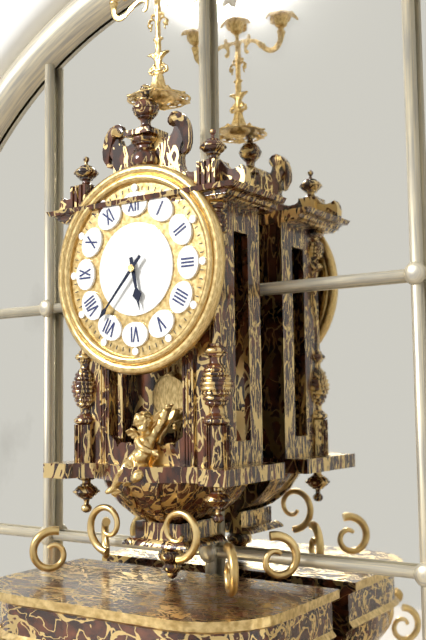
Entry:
h=5 m=37
